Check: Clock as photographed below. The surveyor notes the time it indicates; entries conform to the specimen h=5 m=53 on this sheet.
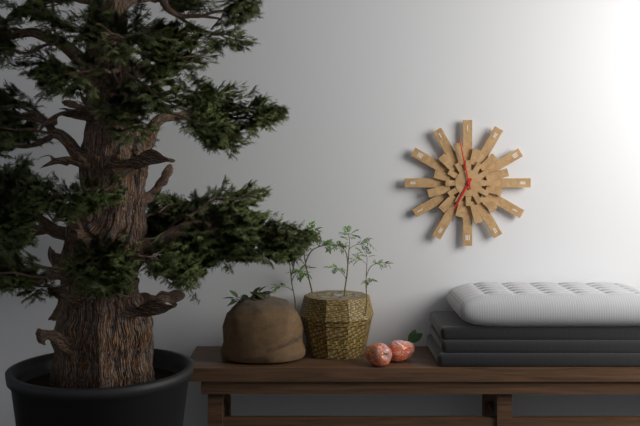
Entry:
h=6 m=58
